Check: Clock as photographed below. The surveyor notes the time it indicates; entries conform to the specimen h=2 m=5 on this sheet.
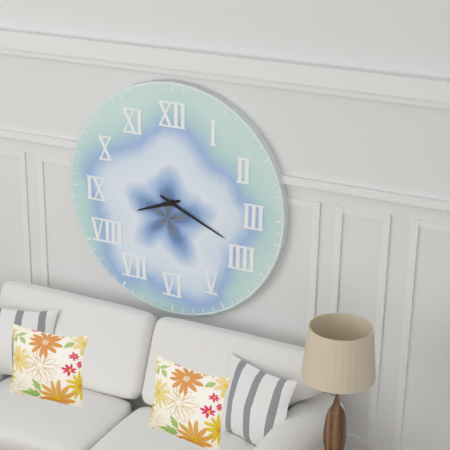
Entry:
h=8 m=19
